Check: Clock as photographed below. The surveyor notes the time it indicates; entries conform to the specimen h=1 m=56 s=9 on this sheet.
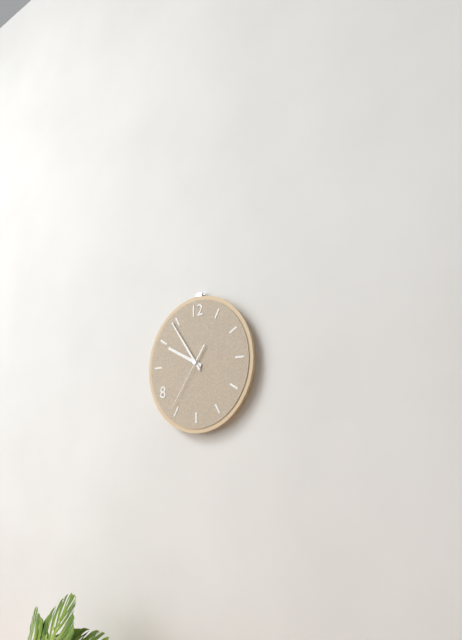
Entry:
h=9 m=54 s=36
